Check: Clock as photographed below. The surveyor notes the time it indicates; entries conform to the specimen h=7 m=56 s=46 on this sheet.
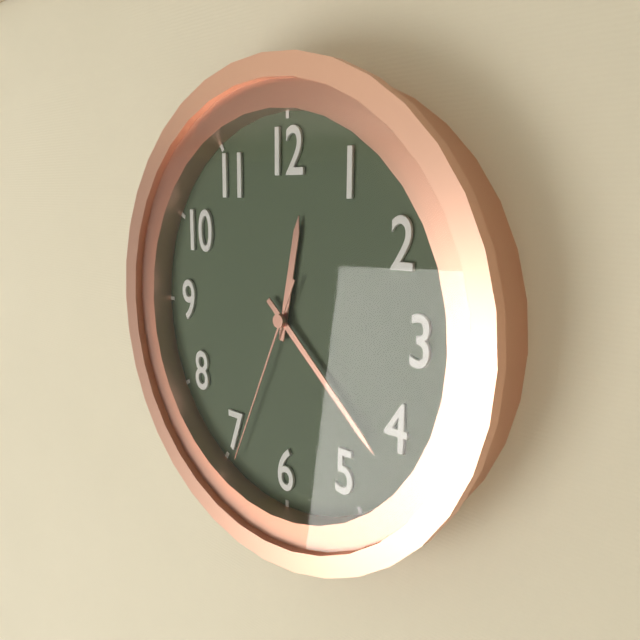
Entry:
h=12 m=22 s=34
